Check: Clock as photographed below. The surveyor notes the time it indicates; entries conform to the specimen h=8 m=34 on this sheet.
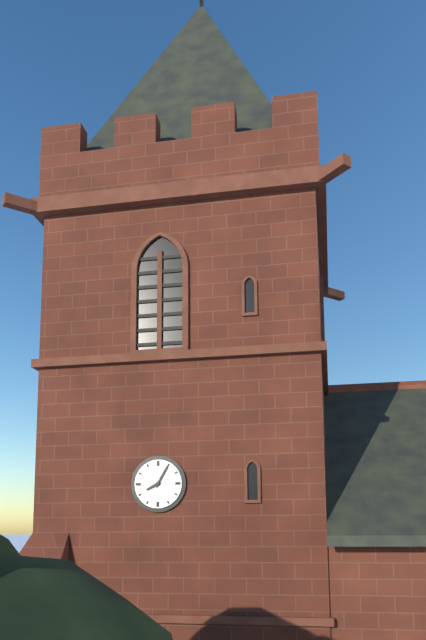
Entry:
h=8 m=5
